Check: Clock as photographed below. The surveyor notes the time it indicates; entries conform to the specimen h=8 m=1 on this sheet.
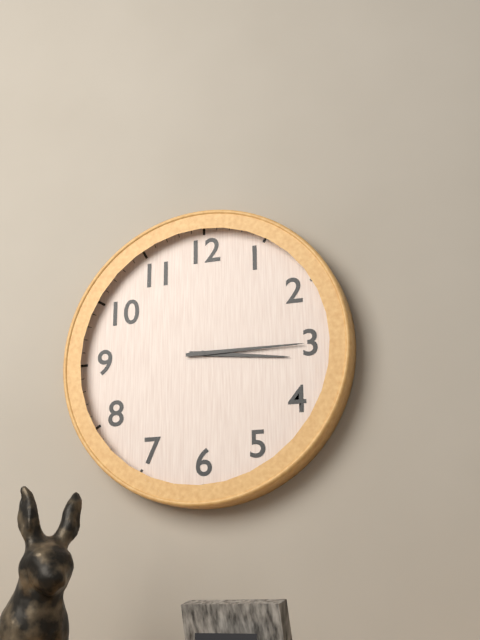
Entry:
h=3 m=15
